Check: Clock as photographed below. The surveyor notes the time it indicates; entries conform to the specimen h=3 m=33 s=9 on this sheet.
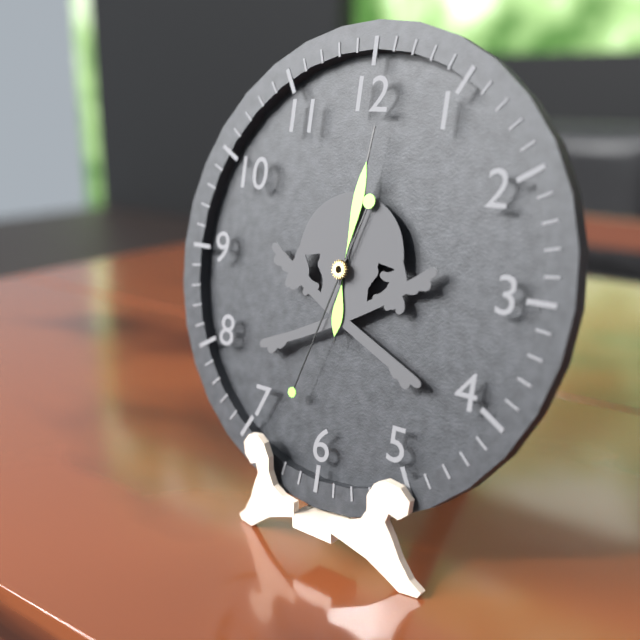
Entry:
h=6 m=1 s=33
